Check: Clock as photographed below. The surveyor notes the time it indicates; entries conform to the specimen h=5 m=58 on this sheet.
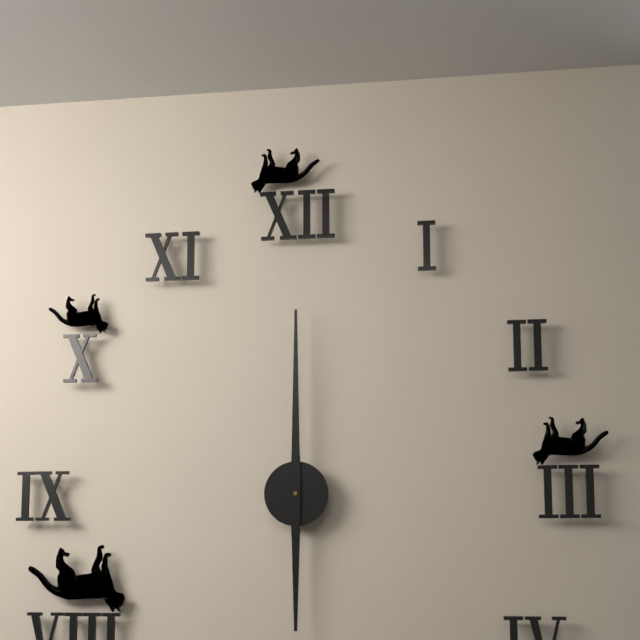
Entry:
h=6 m=0
